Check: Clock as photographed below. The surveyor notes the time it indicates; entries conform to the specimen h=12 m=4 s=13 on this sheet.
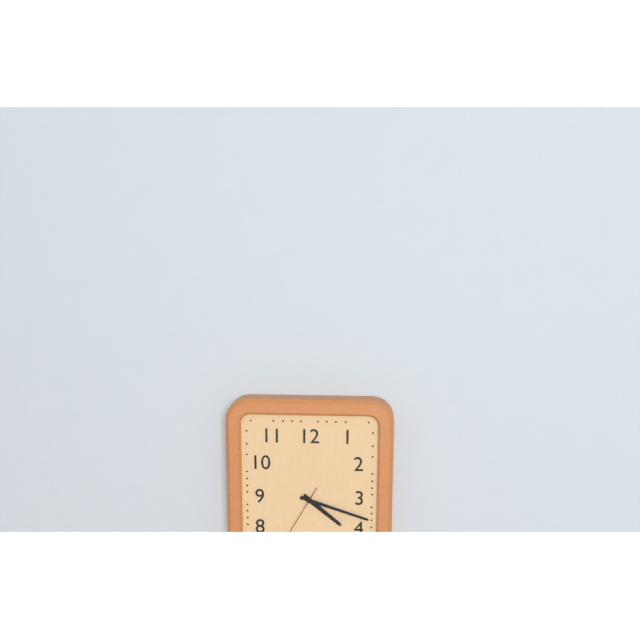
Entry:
h=4 m=18 s=35
